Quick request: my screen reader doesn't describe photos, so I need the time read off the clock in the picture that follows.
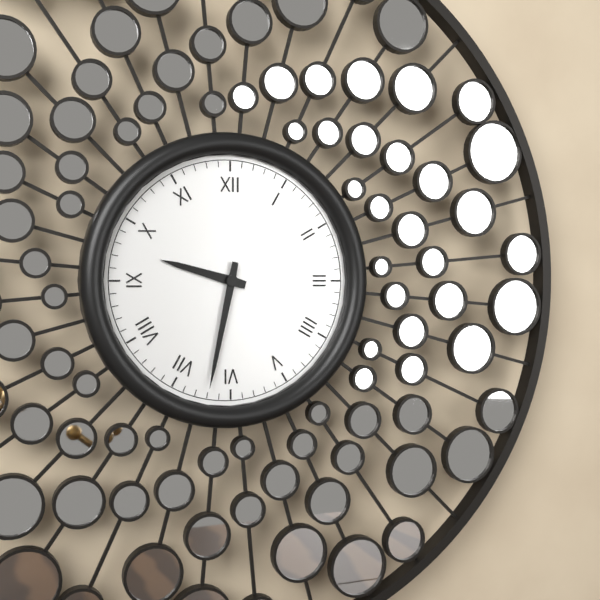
9:32
